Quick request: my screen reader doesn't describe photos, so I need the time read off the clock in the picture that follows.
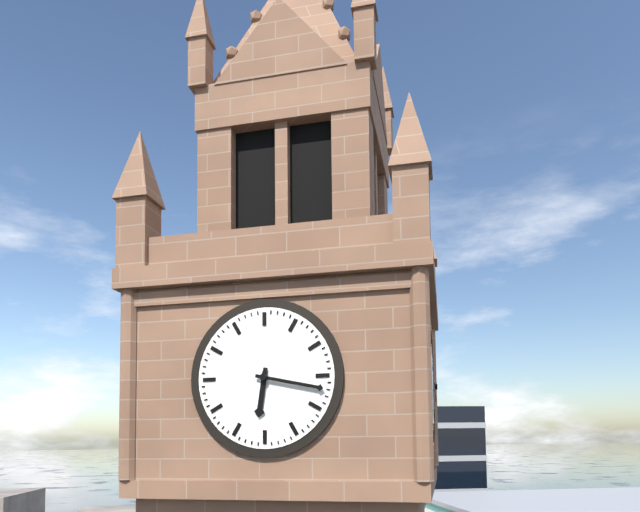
6:17
